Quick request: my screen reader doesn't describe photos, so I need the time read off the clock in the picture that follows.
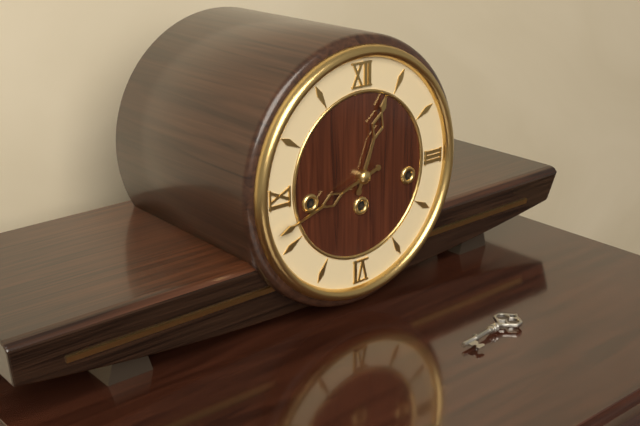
12:42
